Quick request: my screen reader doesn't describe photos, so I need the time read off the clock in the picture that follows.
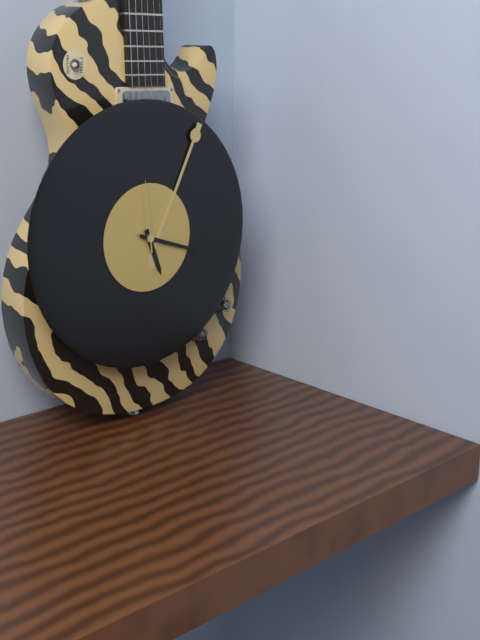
5:18:59
